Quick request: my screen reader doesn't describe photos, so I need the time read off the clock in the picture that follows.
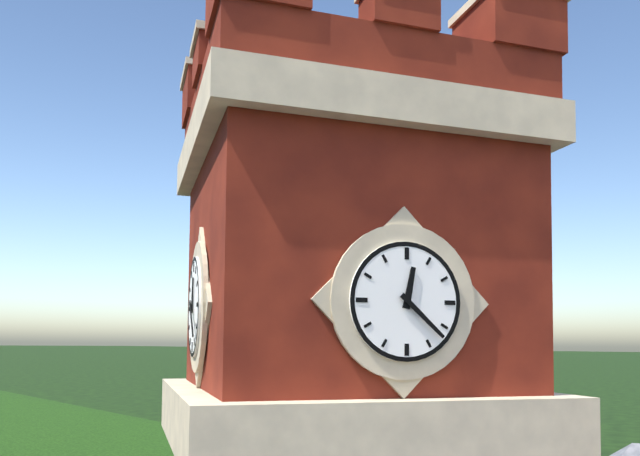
12:22
